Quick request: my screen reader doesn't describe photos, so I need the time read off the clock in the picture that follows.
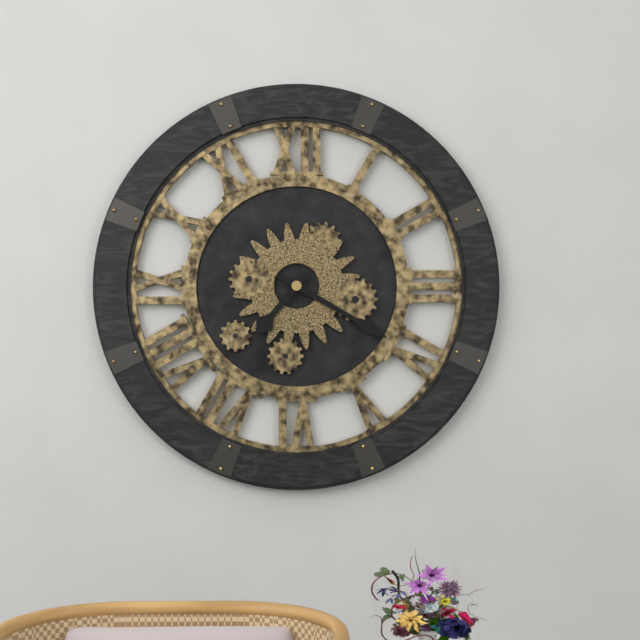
7:20
